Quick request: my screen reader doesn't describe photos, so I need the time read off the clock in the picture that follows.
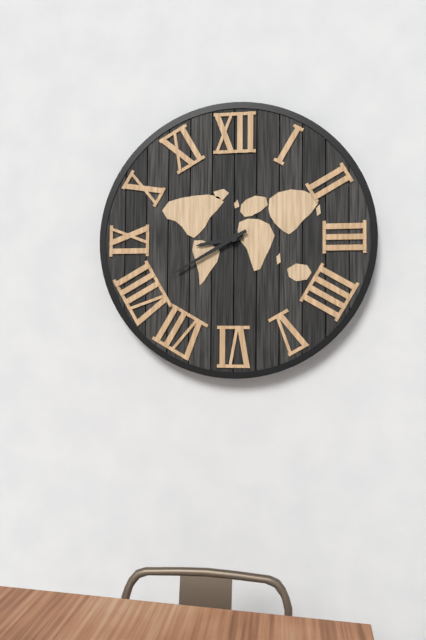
8:40
